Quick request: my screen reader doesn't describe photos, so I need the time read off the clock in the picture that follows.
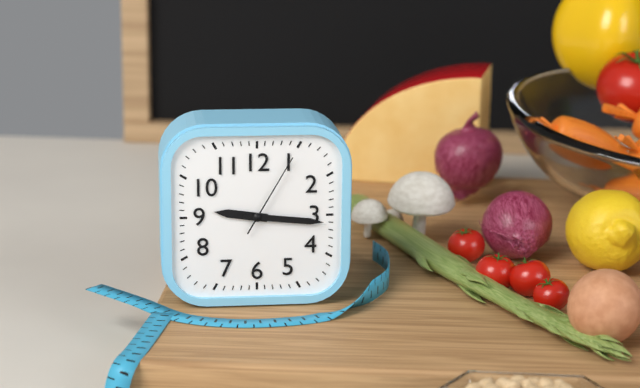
9:16:05
